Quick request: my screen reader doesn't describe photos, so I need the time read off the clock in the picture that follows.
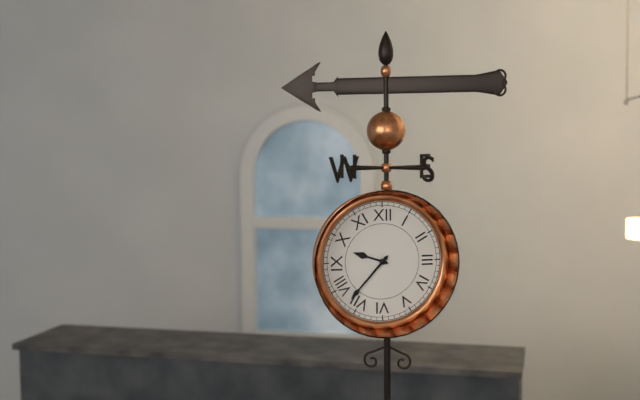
9:37
